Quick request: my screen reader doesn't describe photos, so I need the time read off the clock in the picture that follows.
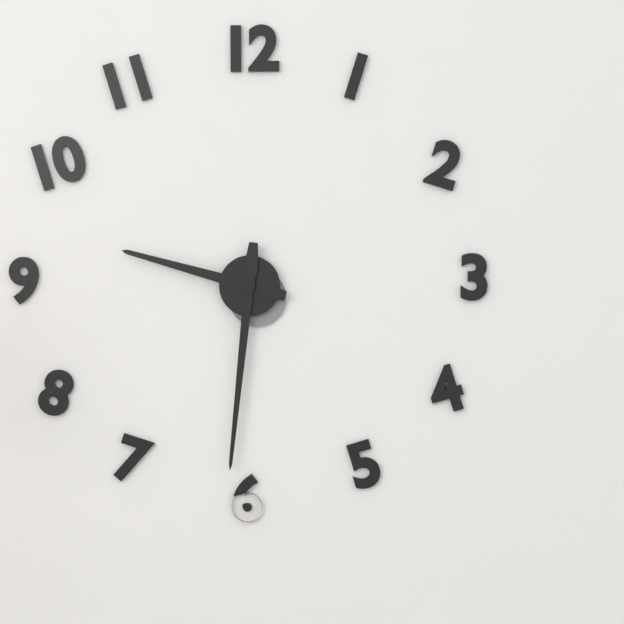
9:31
